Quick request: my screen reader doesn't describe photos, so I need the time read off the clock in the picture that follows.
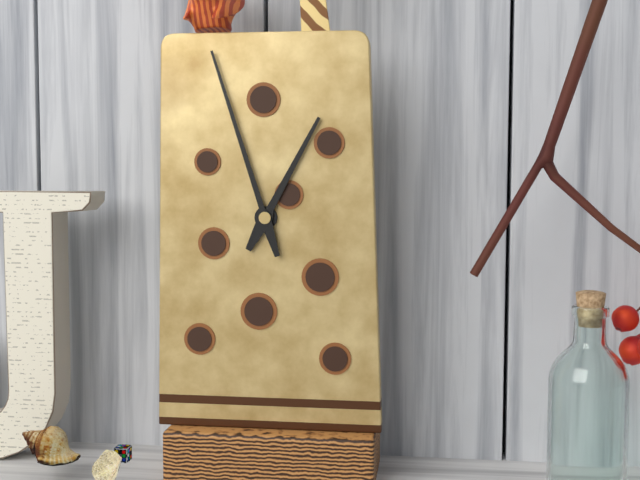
12:57
